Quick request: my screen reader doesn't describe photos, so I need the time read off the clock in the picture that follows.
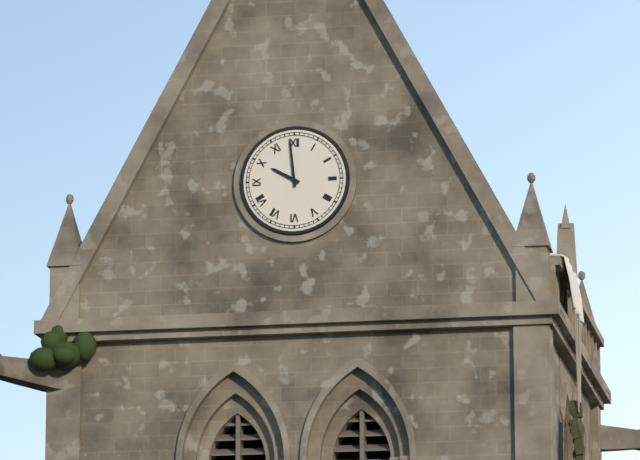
9:59
